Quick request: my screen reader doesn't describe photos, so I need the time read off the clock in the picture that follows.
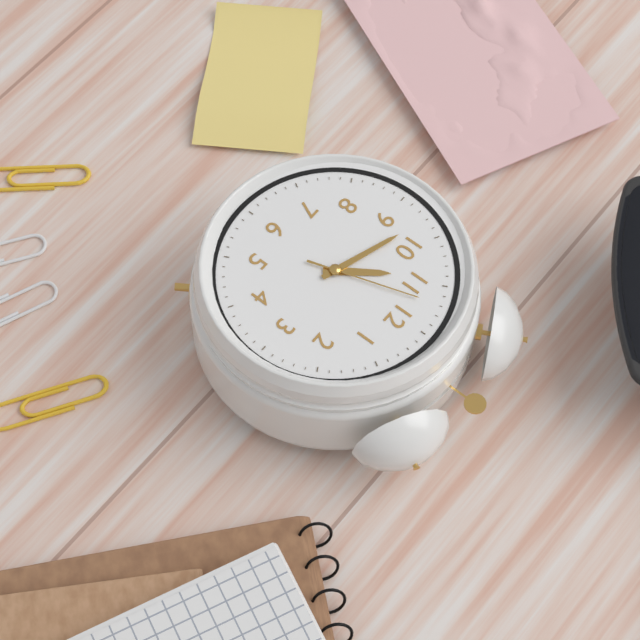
10:48:57
